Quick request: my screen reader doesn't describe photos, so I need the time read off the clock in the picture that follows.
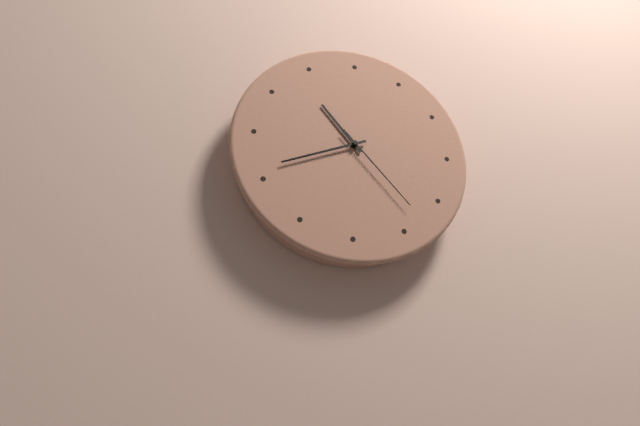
10:41:23
